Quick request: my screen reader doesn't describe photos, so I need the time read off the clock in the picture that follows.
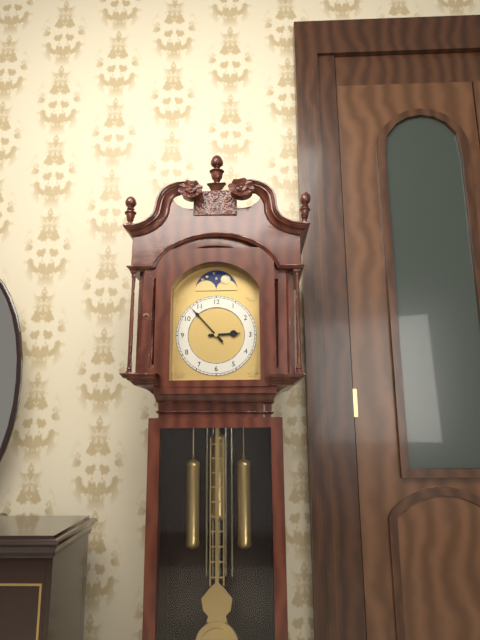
2:53
